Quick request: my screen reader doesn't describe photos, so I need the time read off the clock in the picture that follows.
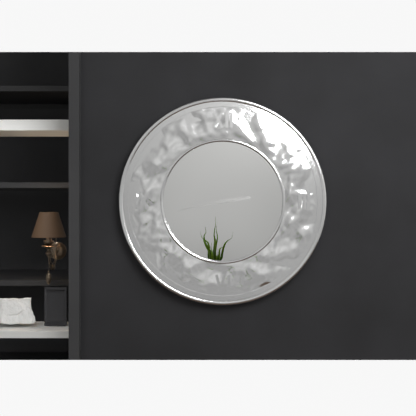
2:43
